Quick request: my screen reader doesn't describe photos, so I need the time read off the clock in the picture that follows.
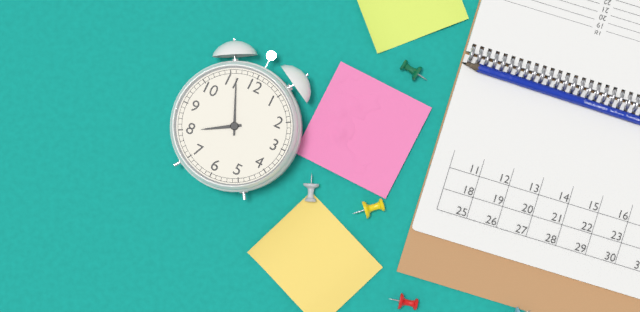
7:56
